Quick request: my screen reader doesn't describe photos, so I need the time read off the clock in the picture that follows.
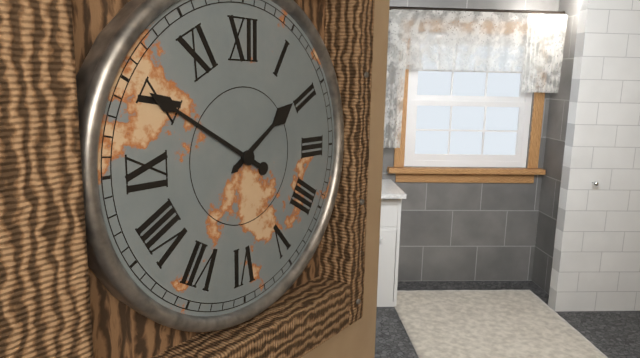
1:50
